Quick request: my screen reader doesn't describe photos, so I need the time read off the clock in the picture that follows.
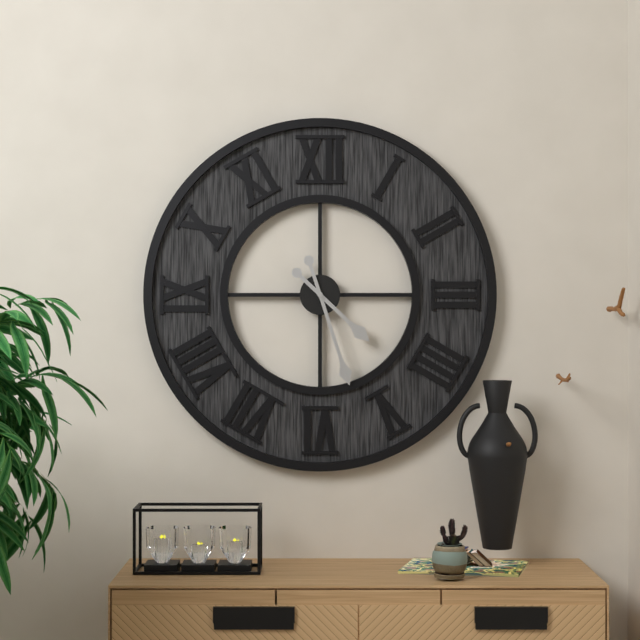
4:27
